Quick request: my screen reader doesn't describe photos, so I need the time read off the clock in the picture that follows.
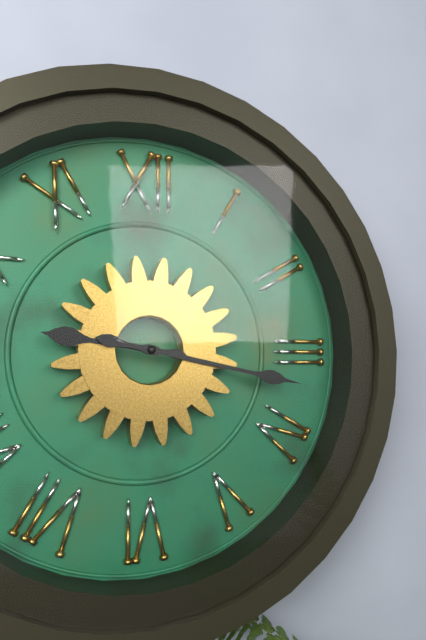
9:17
